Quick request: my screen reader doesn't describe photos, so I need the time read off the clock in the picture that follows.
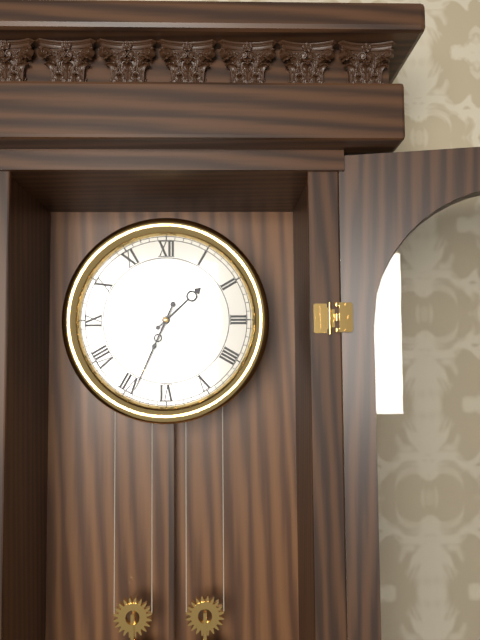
1:34
